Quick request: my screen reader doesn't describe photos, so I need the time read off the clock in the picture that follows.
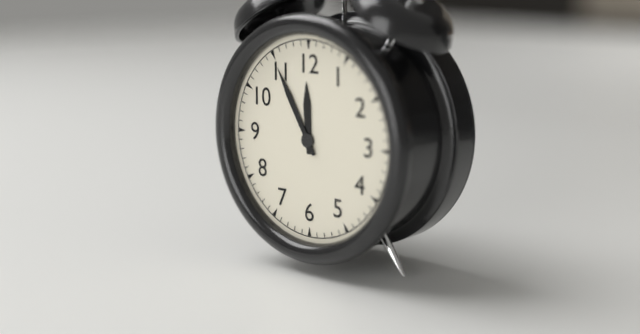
11:55
